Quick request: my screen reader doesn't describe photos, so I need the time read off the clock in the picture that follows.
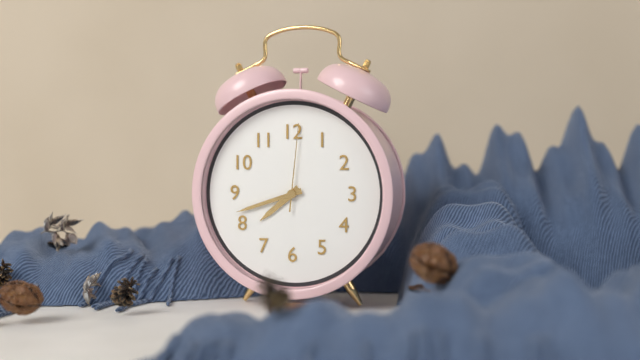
7:42:01
